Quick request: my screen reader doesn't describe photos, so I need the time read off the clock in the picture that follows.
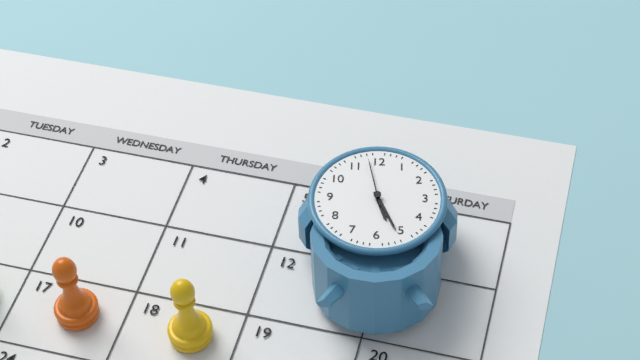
5:26
